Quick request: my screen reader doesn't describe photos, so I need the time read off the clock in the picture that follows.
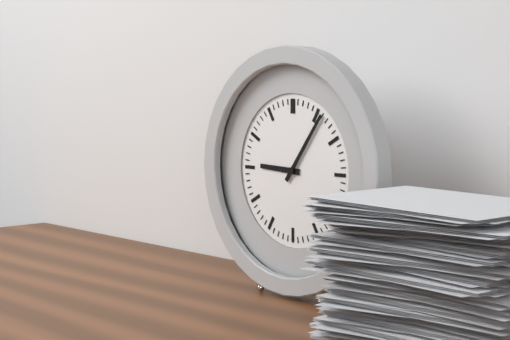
9:06
